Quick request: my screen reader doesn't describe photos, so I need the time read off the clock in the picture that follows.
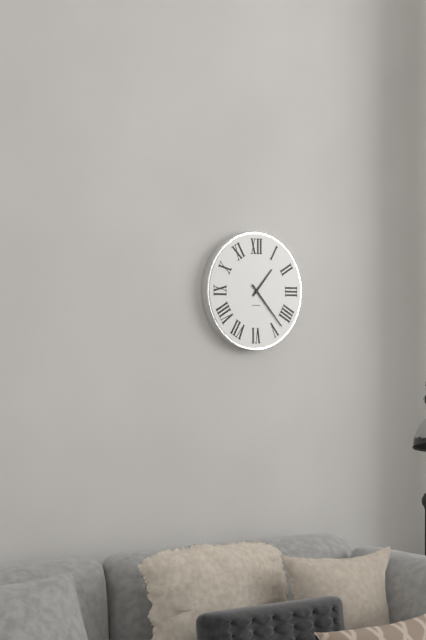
1:23
